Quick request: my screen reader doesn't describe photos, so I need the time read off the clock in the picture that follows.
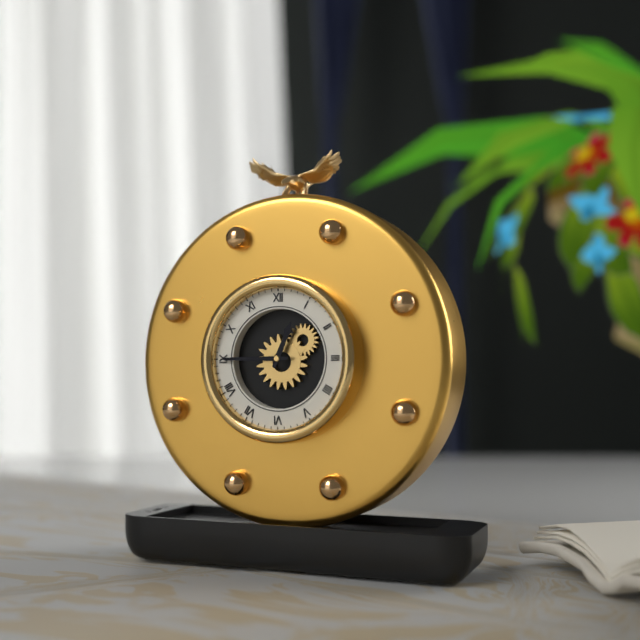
12:45
